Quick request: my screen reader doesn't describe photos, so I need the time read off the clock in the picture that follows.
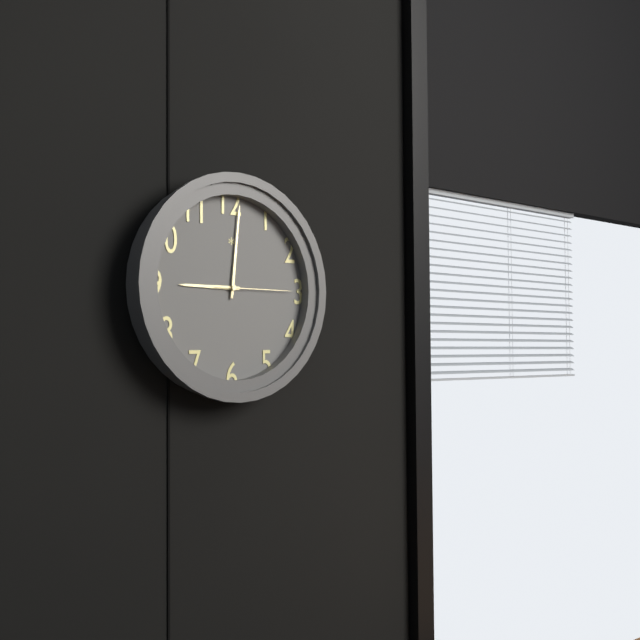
9:01:15
